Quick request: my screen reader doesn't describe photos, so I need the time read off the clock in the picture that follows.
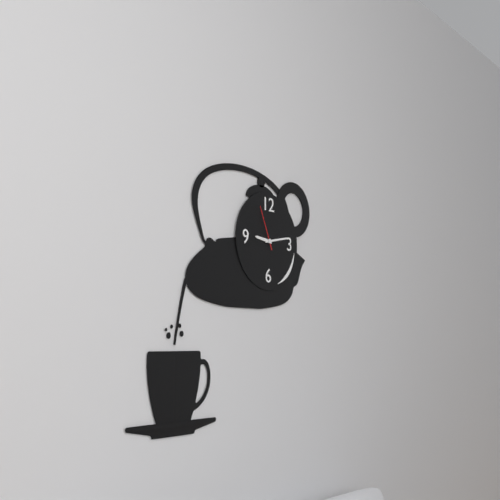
9:13
